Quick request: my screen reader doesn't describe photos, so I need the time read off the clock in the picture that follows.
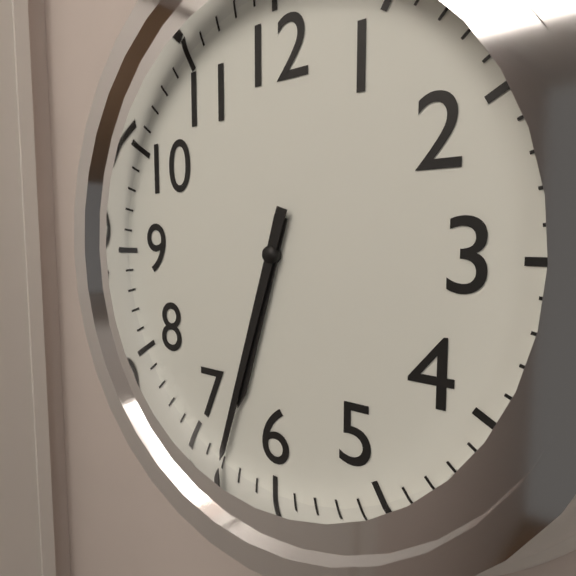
6:33
